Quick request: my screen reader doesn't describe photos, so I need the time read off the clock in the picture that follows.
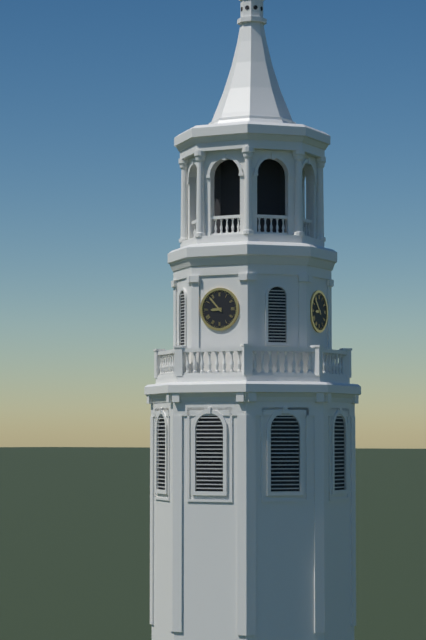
8:53
